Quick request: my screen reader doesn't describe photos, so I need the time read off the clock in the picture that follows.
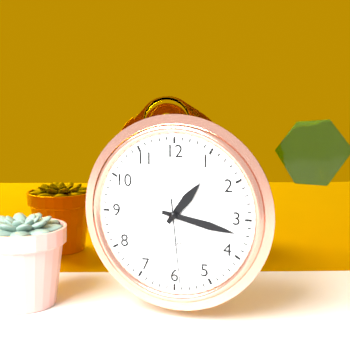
1:17:29
